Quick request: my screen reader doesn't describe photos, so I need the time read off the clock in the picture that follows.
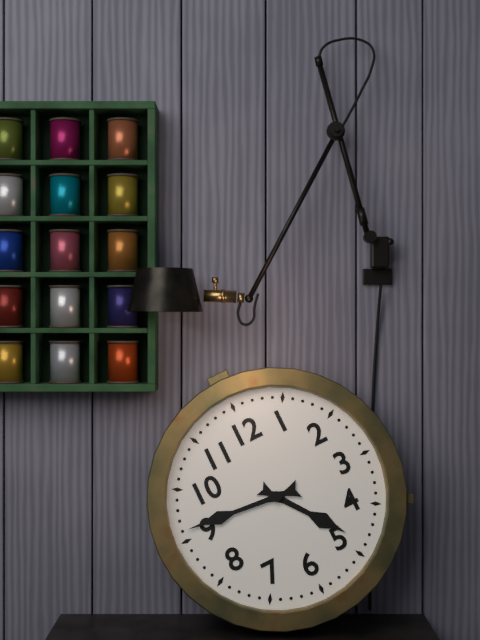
4:46
